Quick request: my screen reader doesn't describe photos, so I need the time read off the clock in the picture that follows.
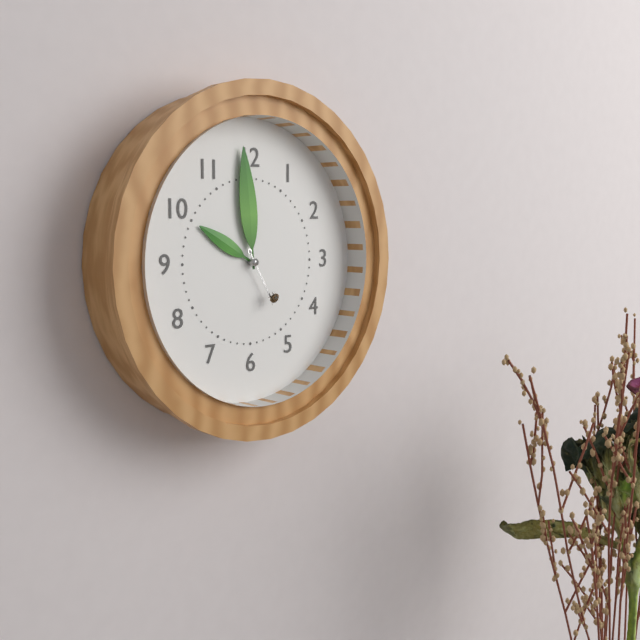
9:59:25
